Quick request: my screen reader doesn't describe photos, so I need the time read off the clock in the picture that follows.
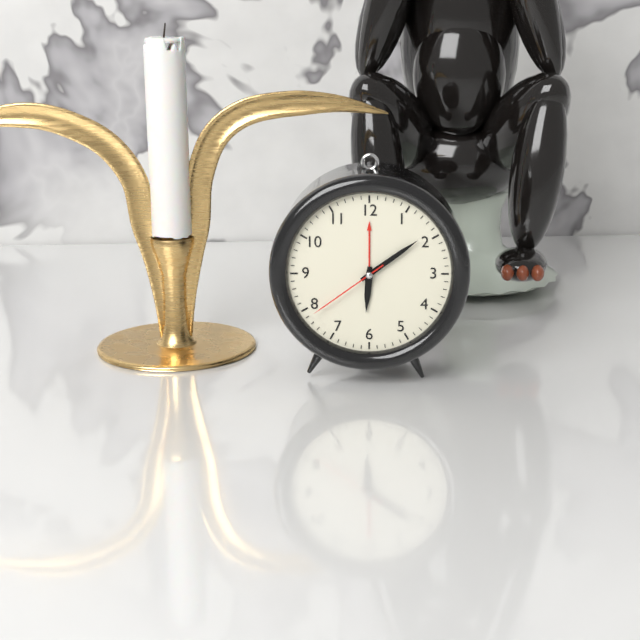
6:09:39
